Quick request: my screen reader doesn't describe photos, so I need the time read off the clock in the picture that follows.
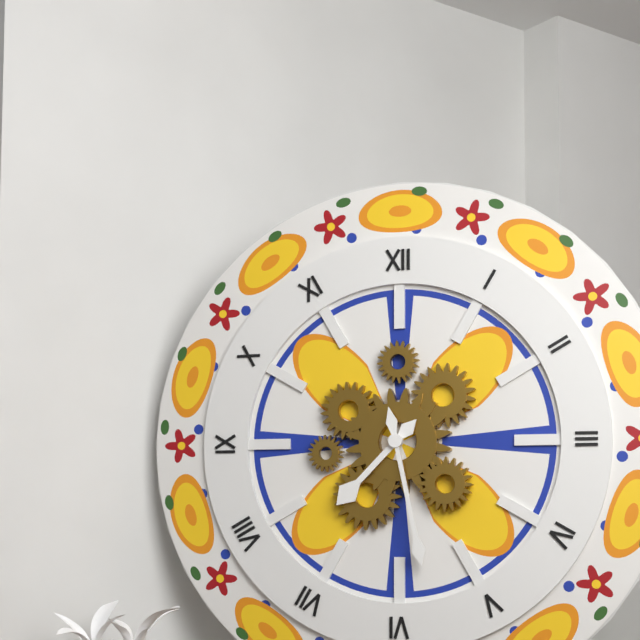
7:28
